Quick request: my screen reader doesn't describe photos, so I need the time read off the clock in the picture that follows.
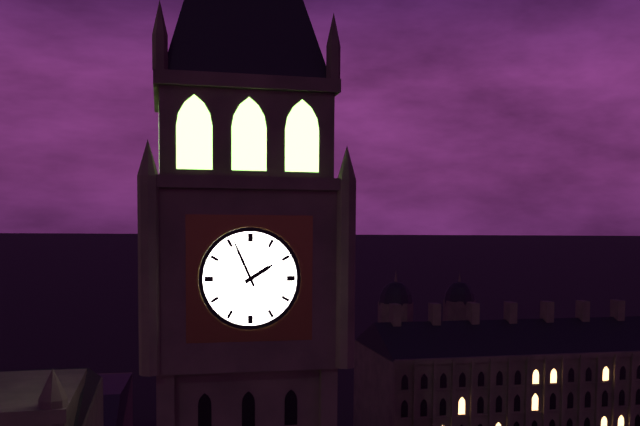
1:56
